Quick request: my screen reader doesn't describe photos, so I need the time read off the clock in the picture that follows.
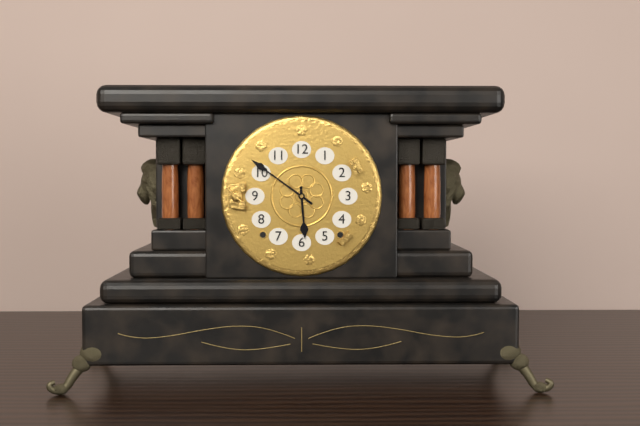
5:51
